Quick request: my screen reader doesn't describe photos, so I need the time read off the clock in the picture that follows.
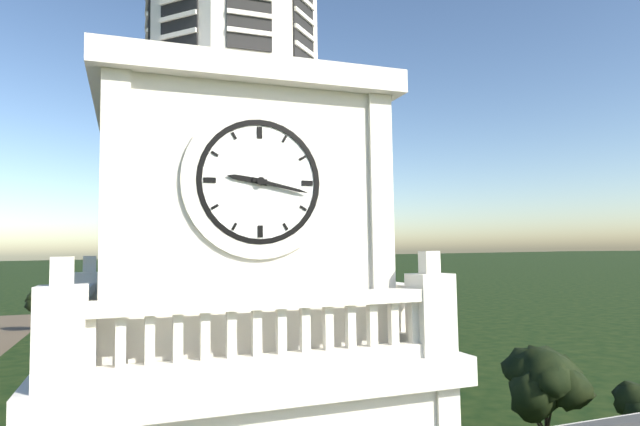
9:17
